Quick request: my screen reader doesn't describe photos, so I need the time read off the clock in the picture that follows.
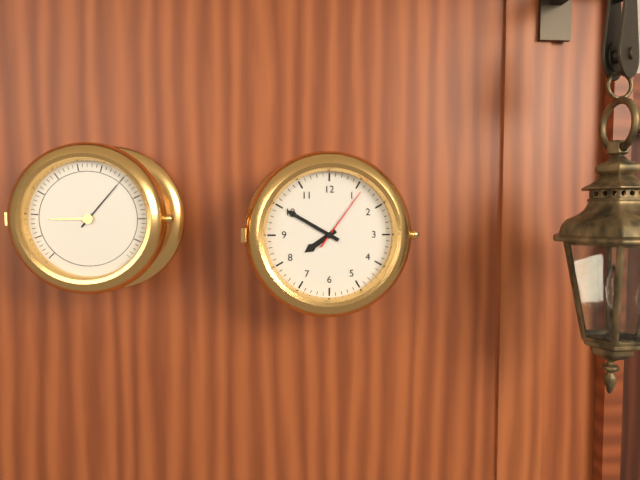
7:50:06
